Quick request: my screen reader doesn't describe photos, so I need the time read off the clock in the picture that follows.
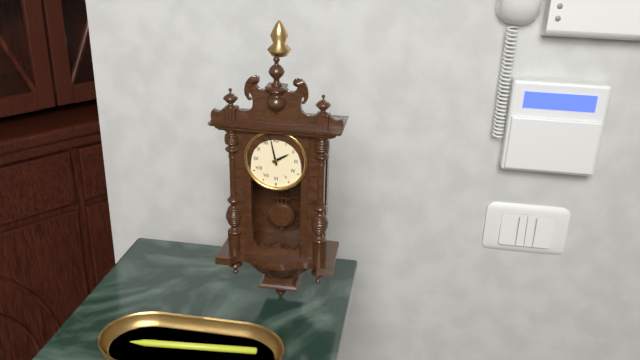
1:58
